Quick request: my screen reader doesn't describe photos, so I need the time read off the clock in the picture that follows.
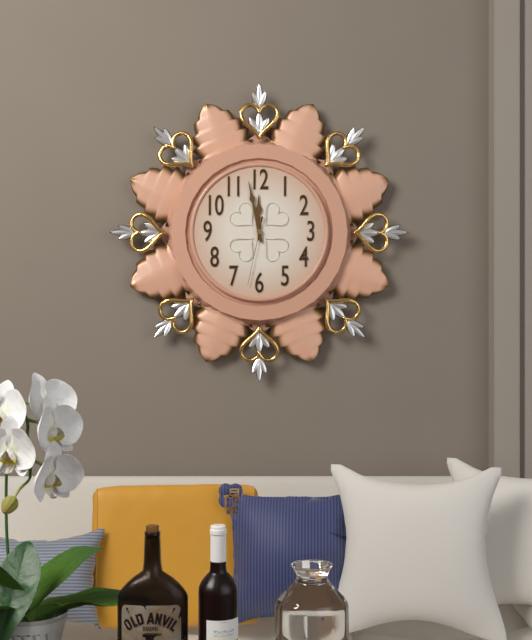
11:58:32
